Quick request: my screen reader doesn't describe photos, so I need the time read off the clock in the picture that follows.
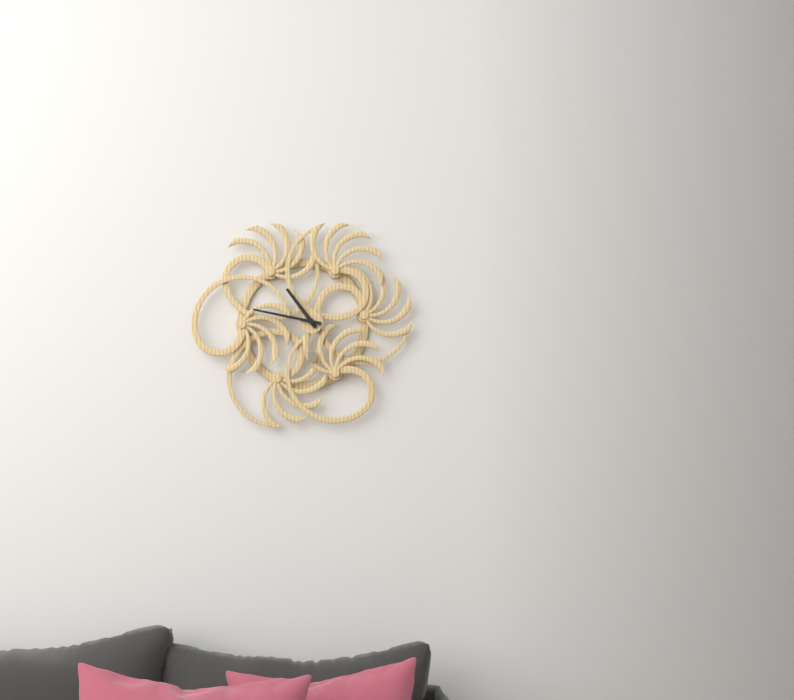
10:47
